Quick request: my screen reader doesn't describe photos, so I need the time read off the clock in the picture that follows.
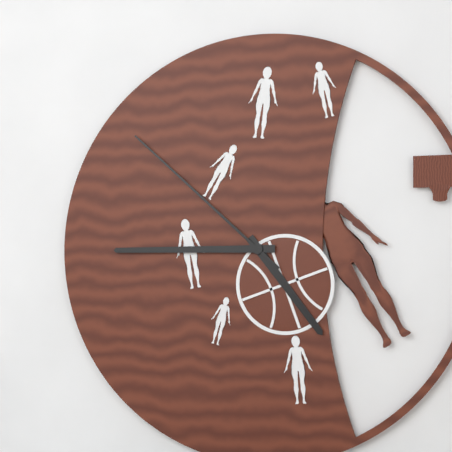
4:45:52
